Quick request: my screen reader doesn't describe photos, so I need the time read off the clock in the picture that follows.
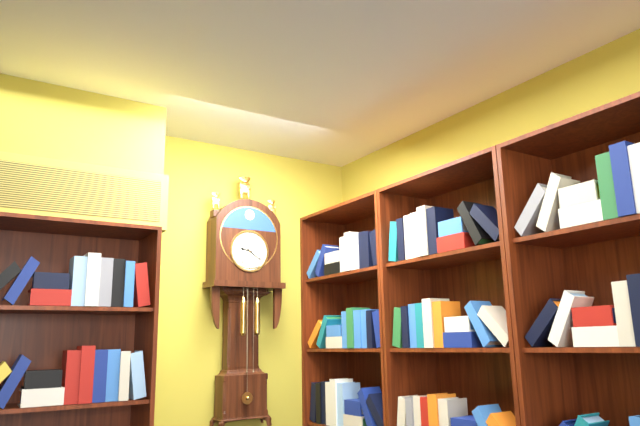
9:21
